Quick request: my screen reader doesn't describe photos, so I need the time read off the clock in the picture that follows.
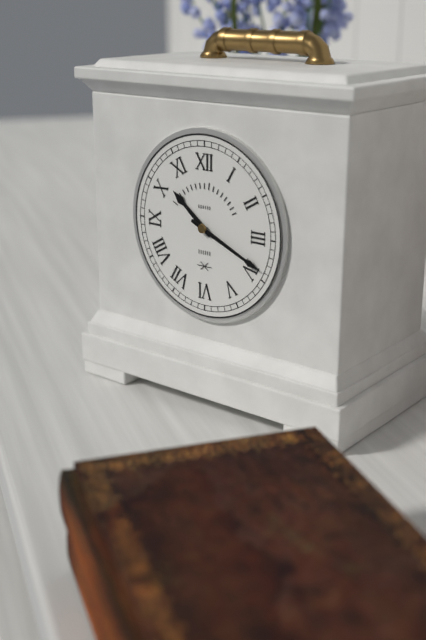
10:19
